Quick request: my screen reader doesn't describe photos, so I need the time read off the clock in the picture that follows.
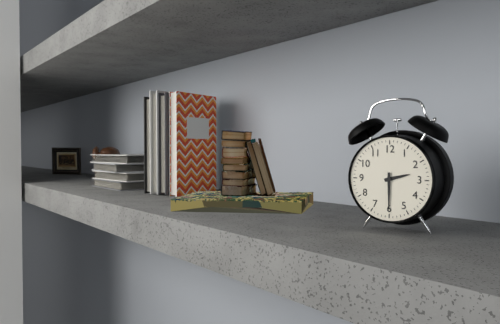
2:30
